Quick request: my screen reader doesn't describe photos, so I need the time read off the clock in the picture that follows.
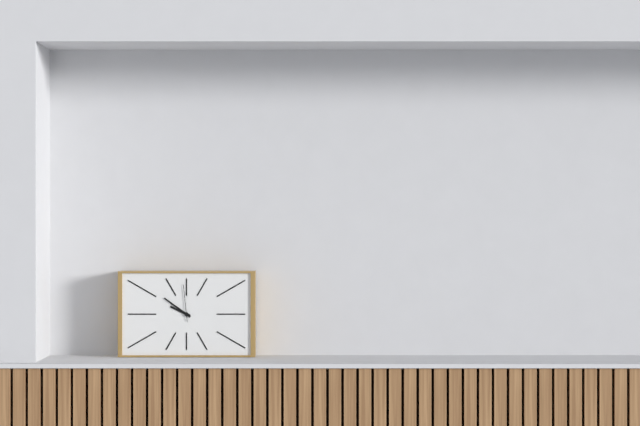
9:51
